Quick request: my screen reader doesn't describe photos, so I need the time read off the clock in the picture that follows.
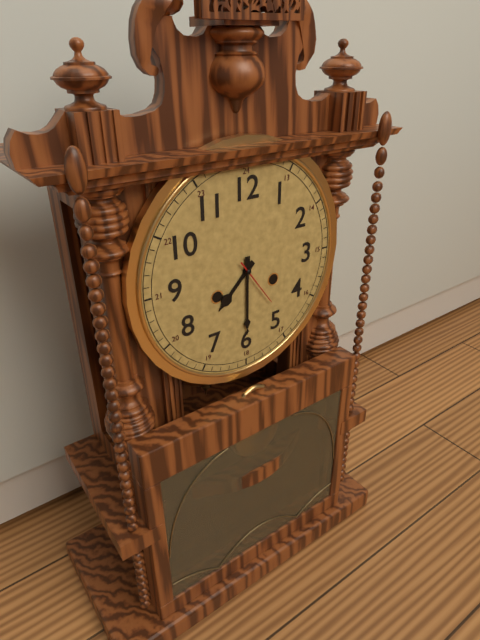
7:30
